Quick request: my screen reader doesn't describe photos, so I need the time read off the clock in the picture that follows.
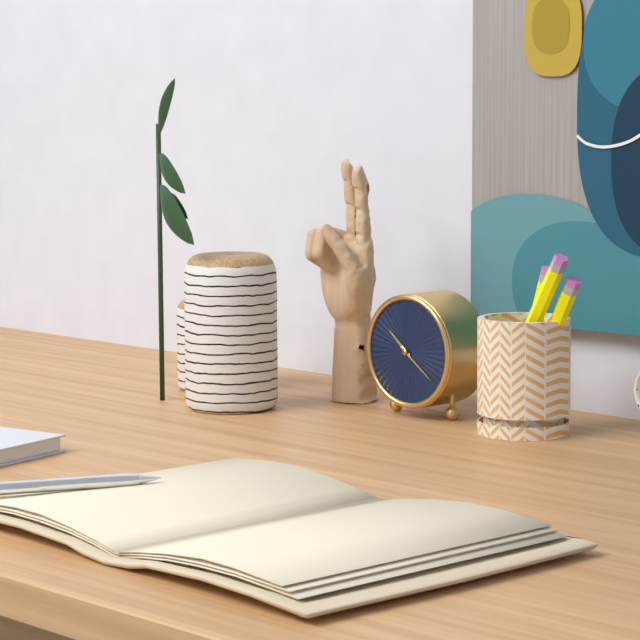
10:21
